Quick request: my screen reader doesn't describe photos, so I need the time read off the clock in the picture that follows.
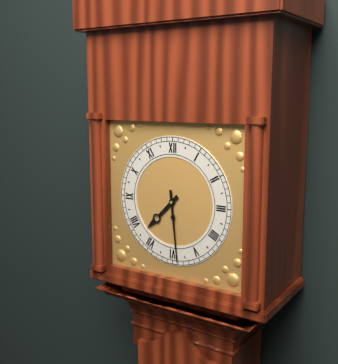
7:29
